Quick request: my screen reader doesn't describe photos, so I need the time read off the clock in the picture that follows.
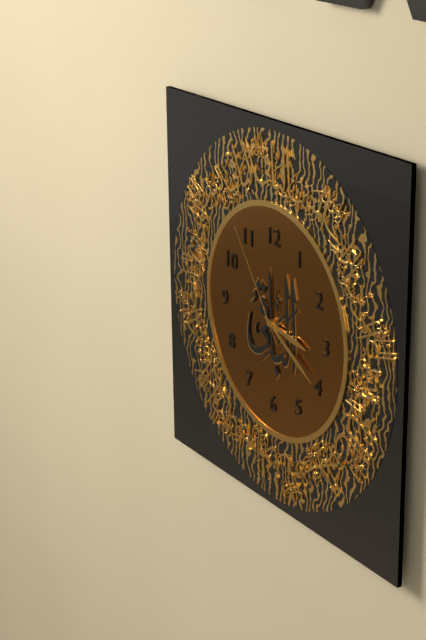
3:20:54
